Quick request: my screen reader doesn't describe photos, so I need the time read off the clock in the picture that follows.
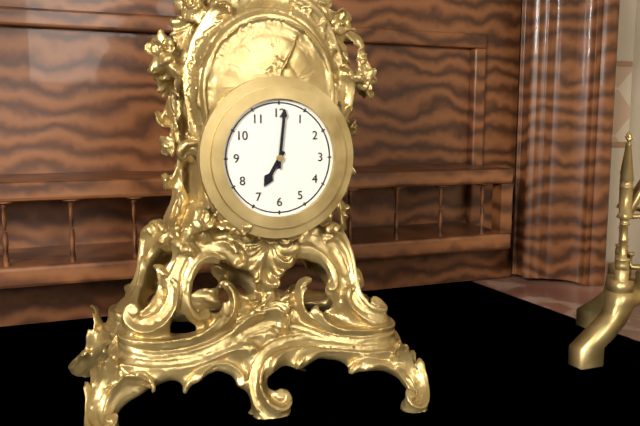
7:01
